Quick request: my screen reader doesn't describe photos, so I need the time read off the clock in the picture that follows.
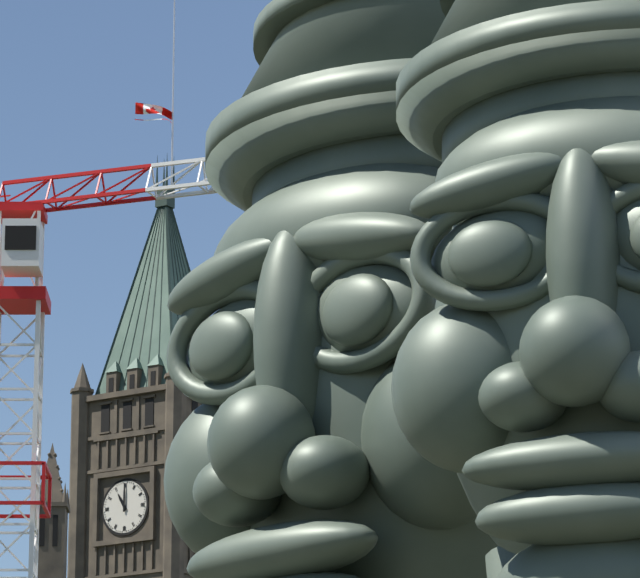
11:00
